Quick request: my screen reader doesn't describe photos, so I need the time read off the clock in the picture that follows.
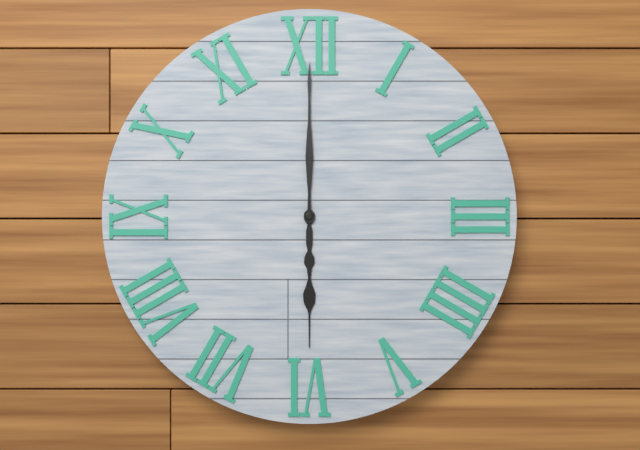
6:00
